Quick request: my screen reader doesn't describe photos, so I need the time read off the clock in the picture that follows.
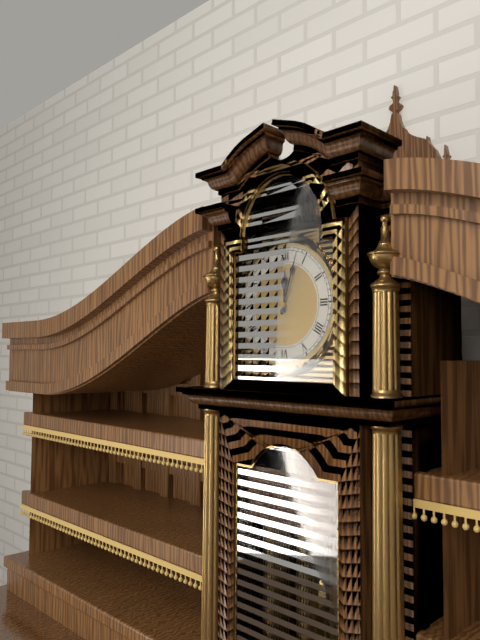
12:03
